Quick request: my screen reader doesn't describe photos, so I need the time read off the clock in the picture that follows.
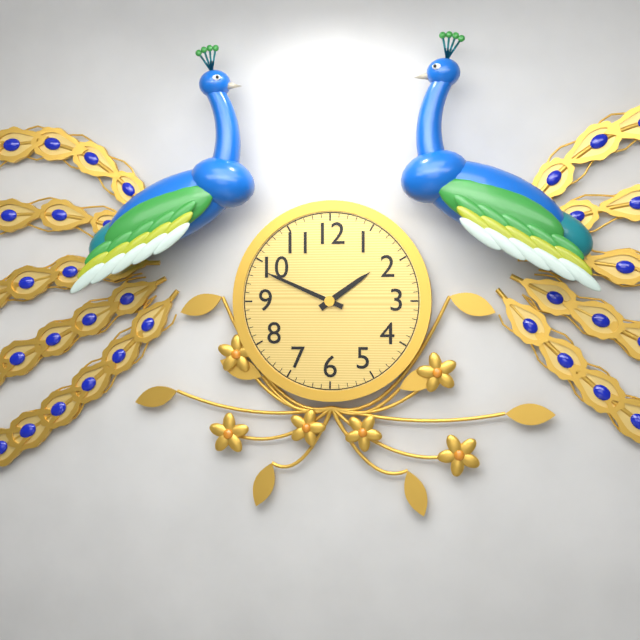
1:49
